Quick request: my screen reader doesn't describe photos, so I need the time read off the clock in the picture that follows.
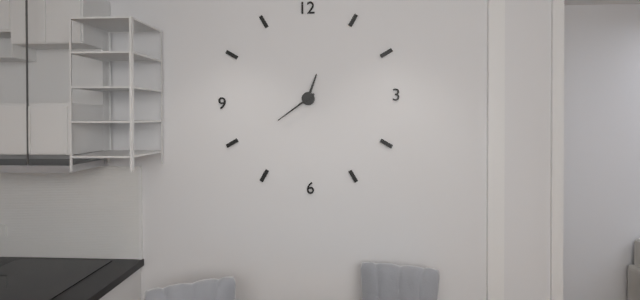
12:39
